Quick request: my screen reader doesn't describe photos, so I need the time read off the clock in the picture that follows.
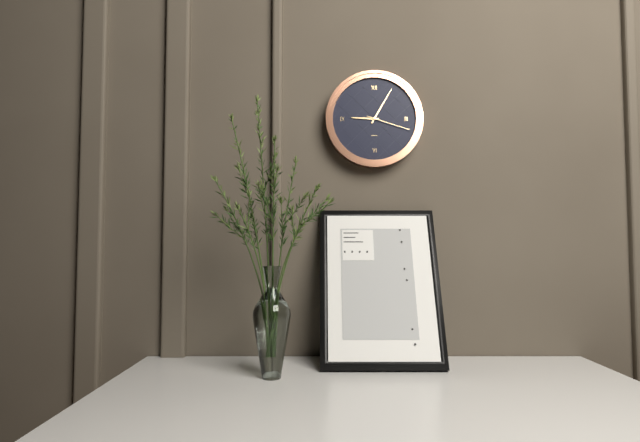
9:05
